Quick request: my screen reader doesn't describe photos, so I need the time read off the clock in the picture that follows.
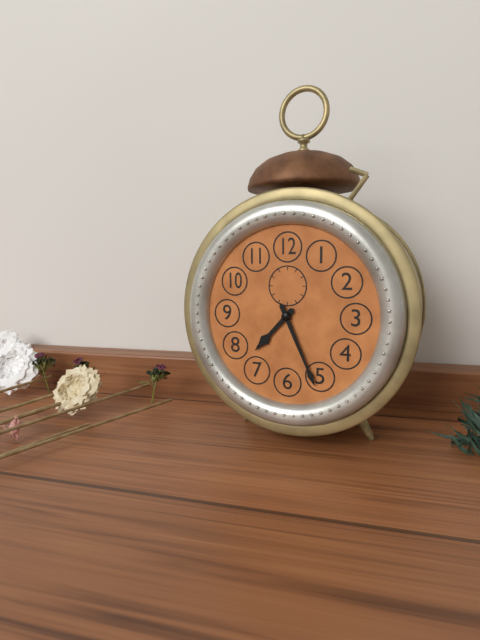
7:26
